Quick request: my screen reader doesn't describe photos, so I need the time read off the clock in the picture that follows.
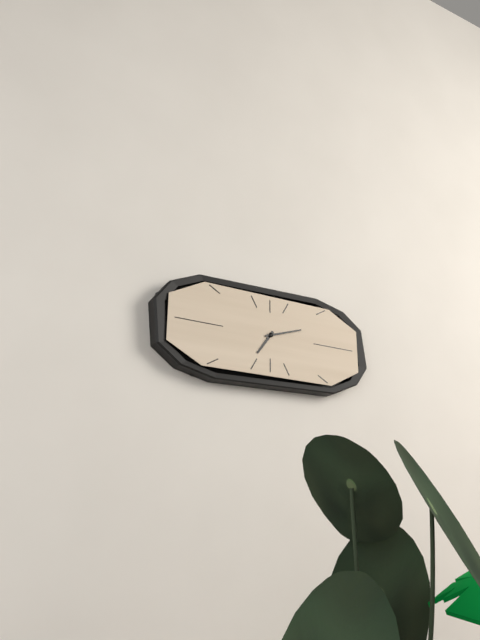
7:12
